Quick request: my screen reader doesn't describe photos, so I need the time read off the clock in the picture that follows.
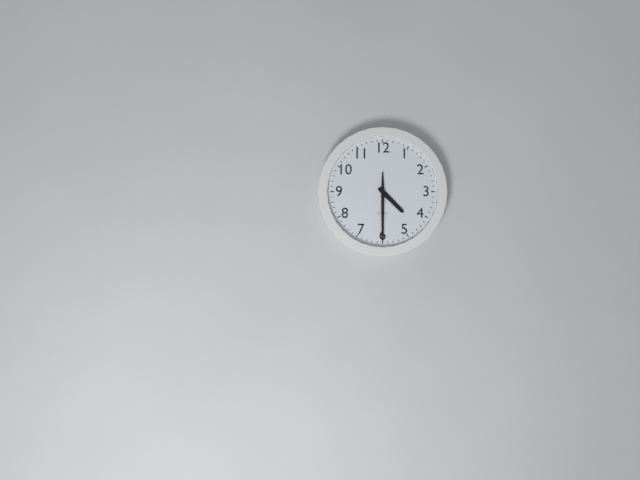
4:30
